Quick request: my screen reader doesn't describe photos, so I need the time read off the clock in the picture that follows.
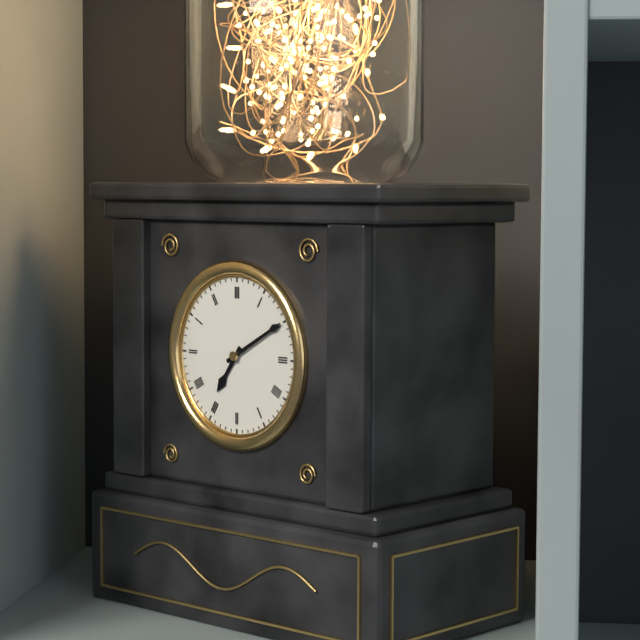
7:10
